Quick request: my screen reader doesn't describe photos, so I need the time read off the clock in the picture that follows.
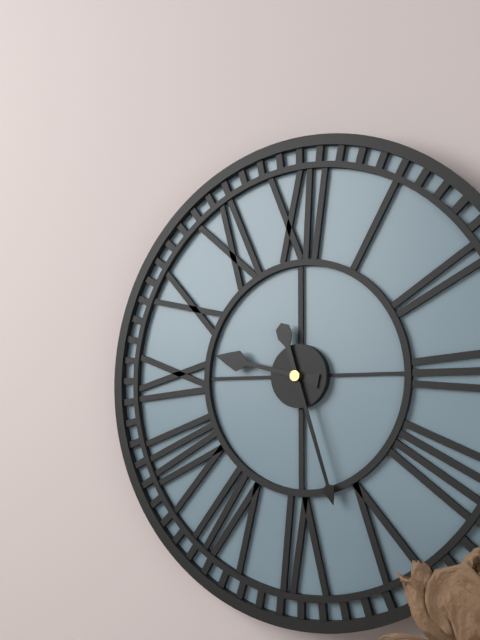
9:27
